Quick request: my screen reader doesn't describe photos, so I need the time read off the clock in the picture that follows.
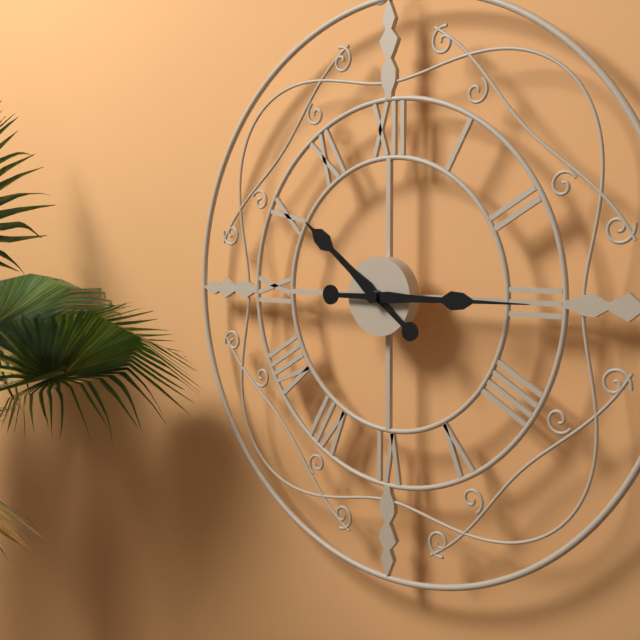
10:15
